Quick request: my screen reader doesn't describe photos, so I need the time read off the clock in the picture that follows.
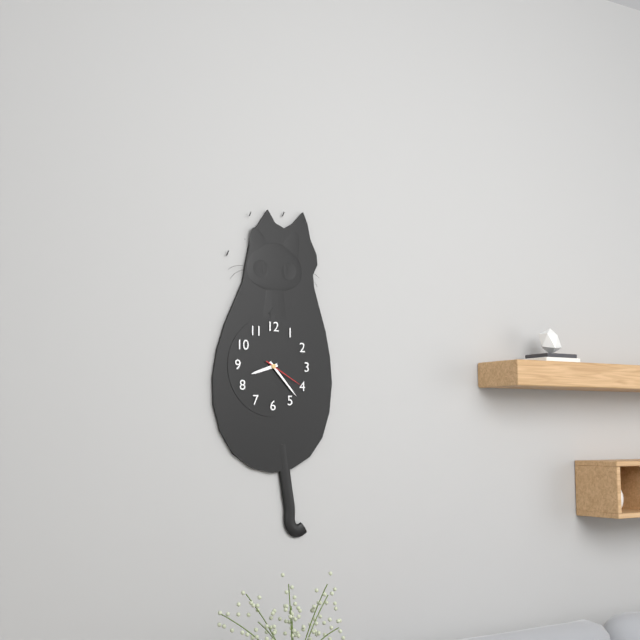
8:23
